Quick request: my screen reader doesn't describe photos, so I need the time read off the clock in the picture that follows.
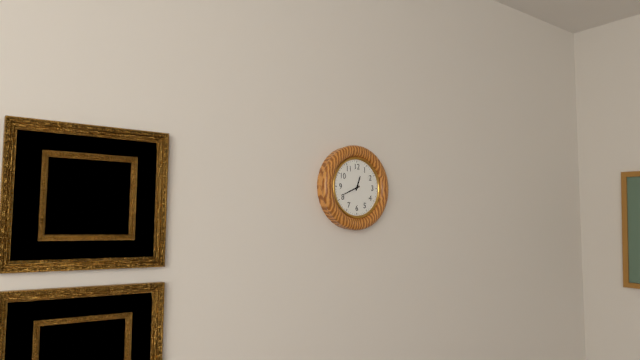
12:41
